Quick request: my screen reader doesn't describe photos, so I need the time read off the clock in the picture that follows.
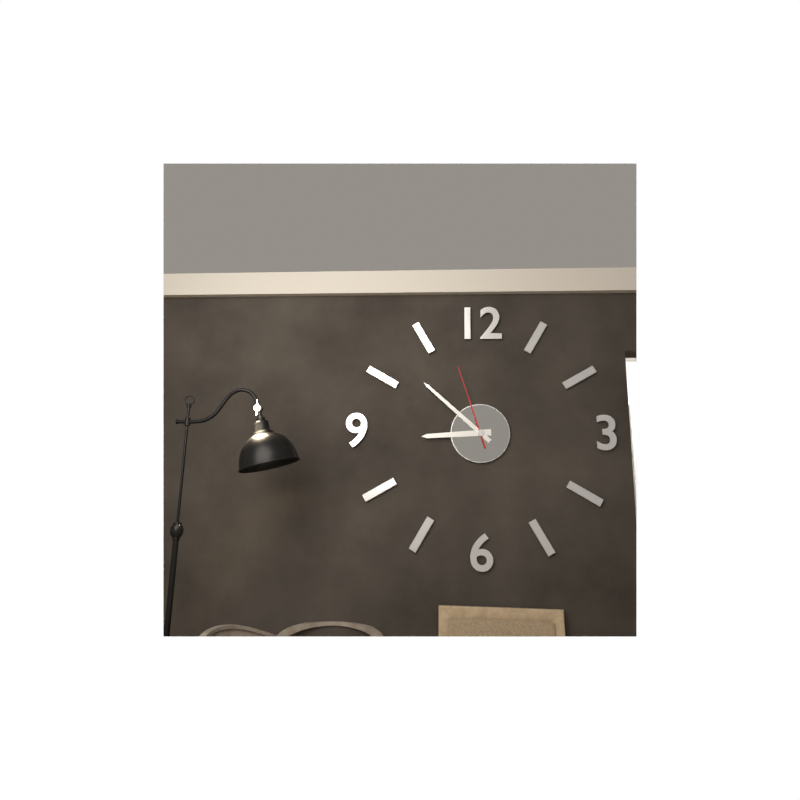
8:52:57
